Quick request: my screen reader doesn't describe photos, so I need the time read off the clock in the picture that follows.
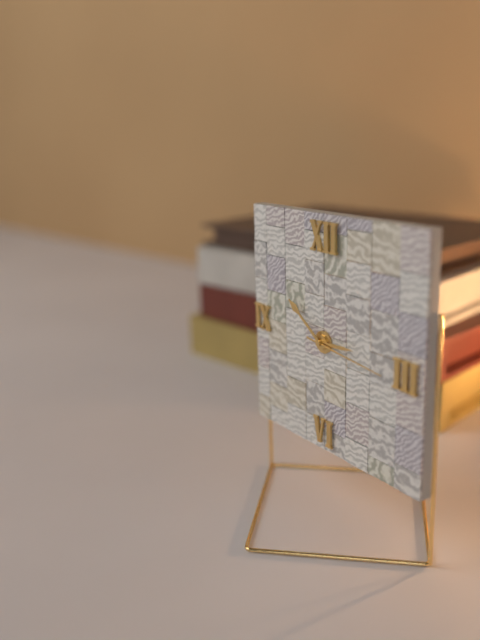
2:51:16
